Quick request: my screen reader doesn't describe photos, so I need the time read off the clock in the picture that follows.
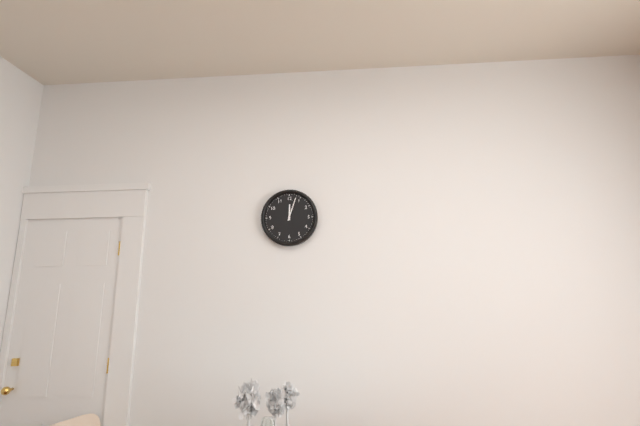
12:03
